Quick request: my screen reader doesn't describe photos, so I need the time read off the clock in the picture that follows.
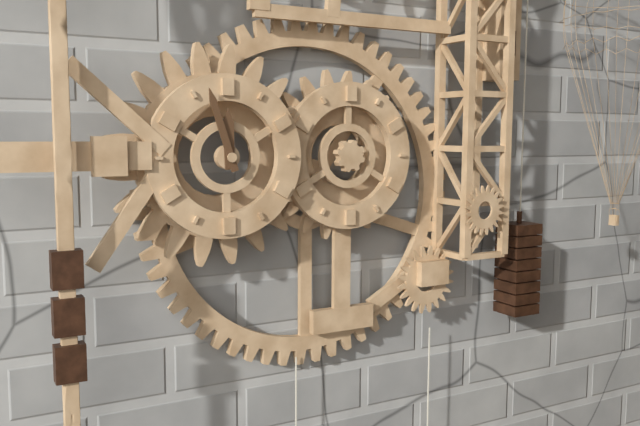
11:57
